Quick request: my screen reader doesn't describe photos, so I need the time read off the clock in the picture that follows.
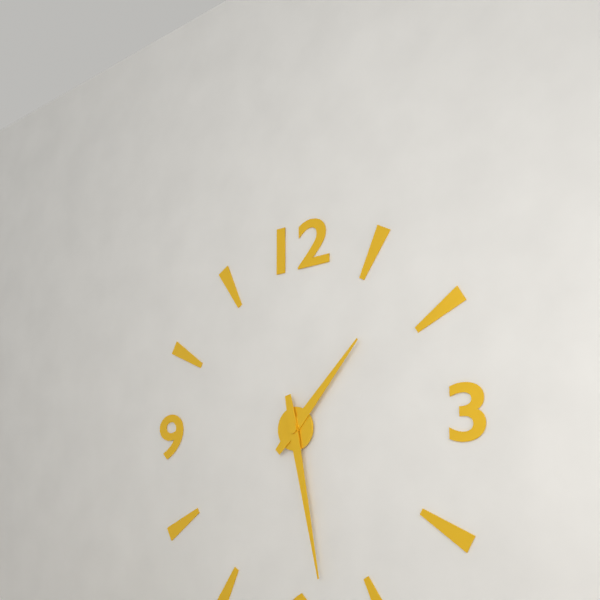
1:28
